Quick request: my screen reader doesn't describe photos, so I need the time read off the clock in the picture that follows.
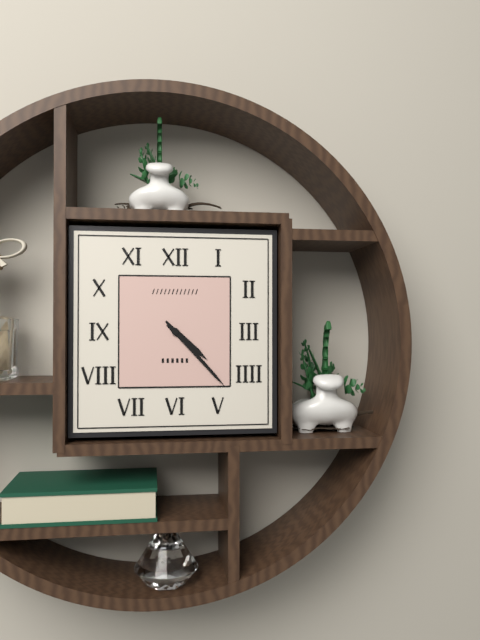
4:23
